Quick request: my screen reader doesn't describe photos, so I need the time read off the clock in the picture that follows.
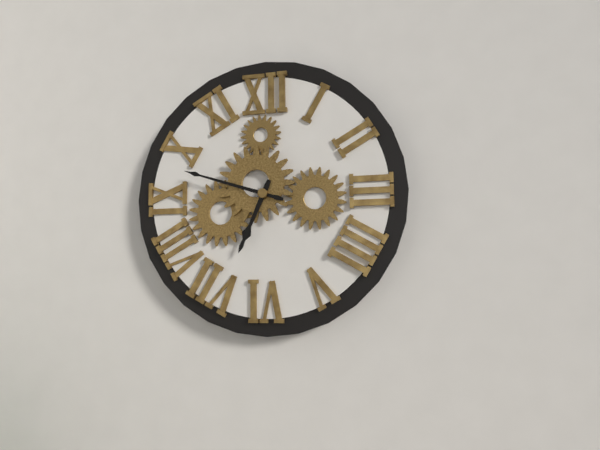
6:48
